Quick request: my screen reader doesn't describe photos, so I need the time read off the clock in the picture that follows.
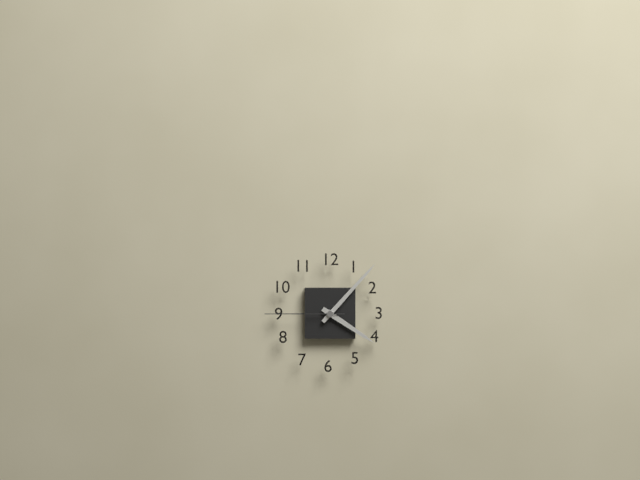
4:07:45
